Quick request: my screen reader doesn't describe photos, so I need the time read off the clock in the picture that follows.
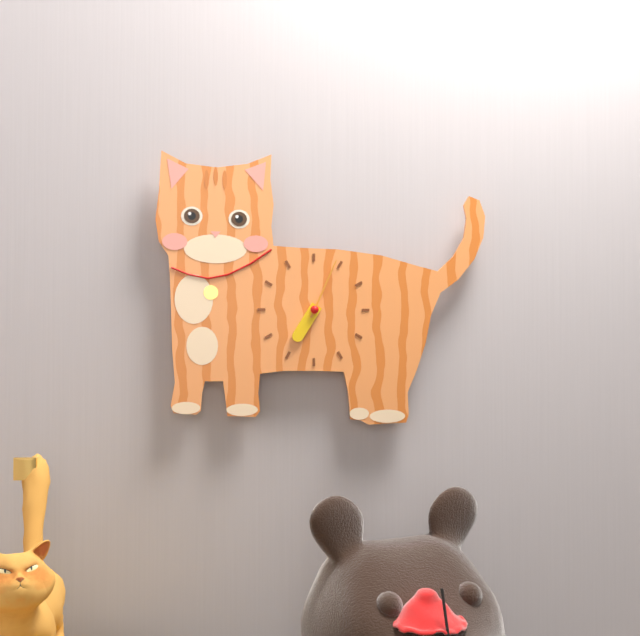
7:04
